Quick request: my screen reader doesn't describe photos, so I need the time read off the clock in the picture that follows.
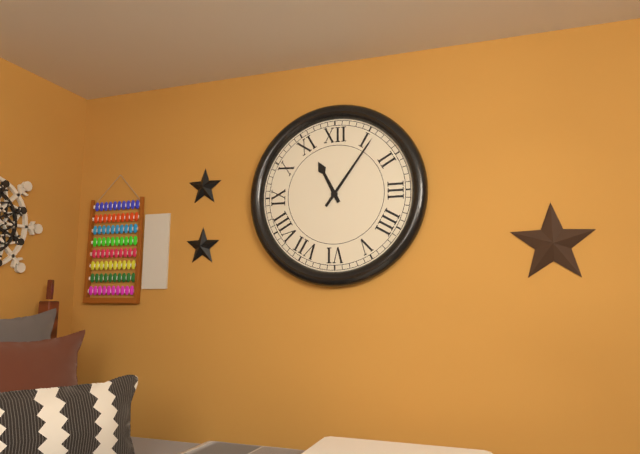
11:06
